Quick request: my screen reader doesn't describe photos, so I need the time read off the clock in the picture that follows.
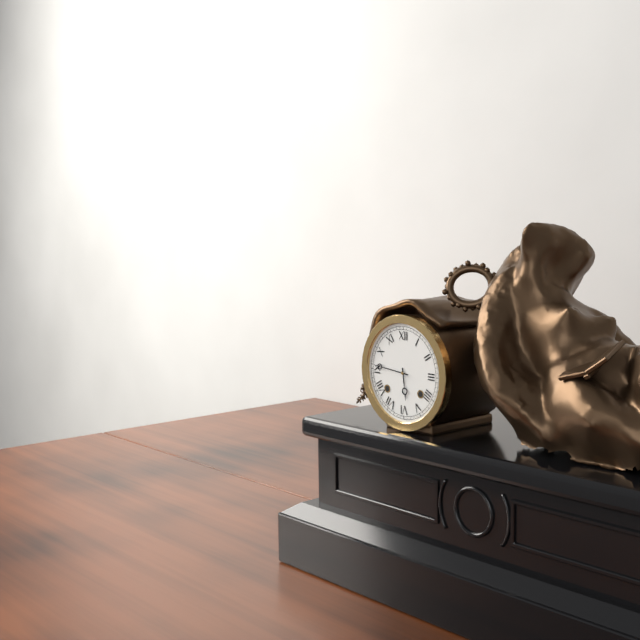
5:46
